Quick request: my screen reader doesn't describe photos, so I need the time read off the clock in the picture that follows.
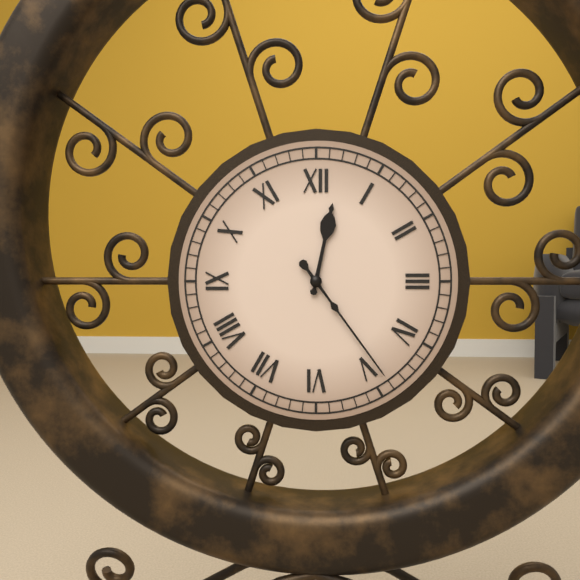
12:24
